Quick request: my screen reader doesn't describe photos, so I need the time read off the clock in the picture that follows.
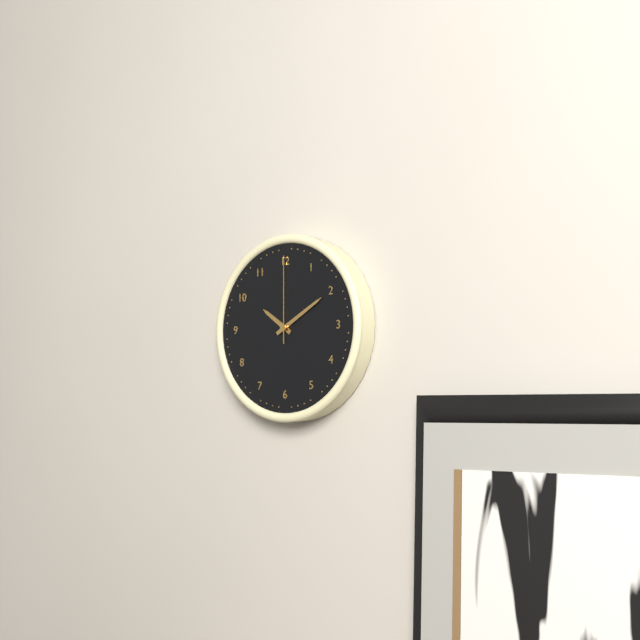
10:10:00
